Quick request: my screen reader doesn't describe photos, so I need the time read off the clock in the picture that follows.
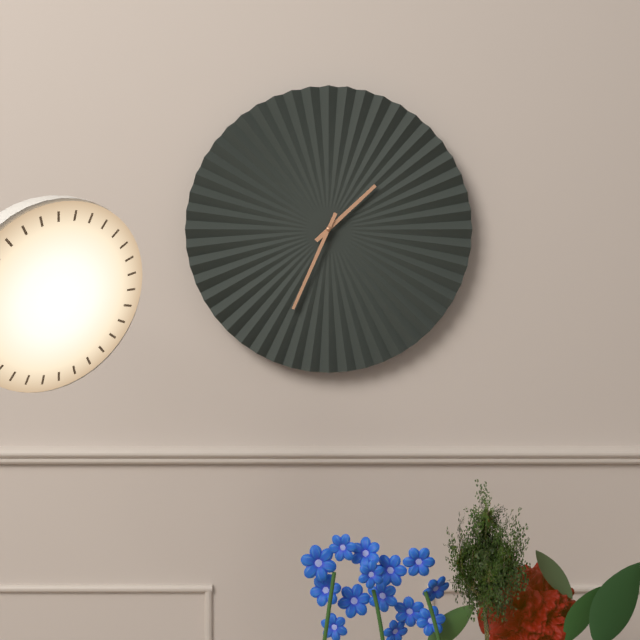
1:34
